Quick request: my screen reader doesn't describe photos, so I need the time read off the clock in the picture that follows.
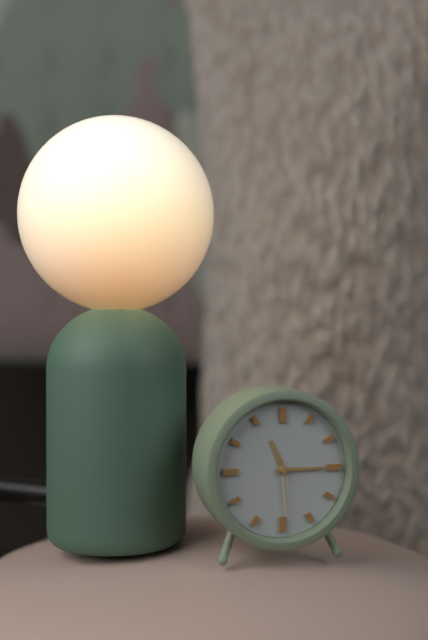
11:15:29
